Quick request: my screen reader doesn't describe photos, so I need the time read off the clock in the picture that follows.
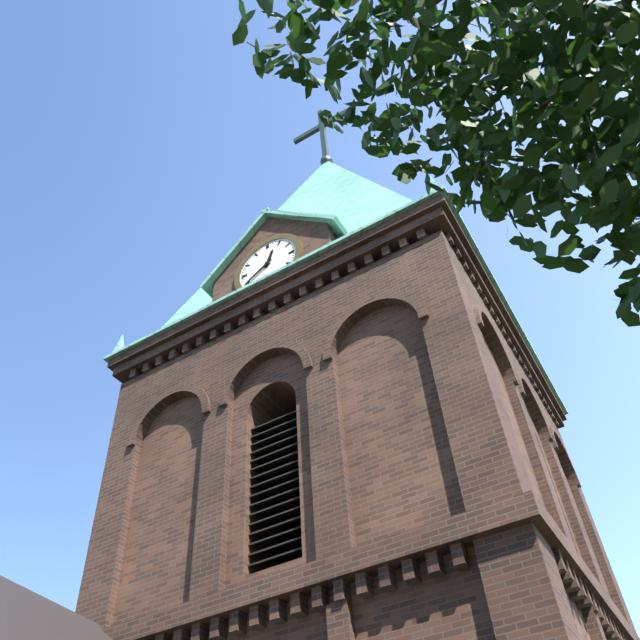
12:40
